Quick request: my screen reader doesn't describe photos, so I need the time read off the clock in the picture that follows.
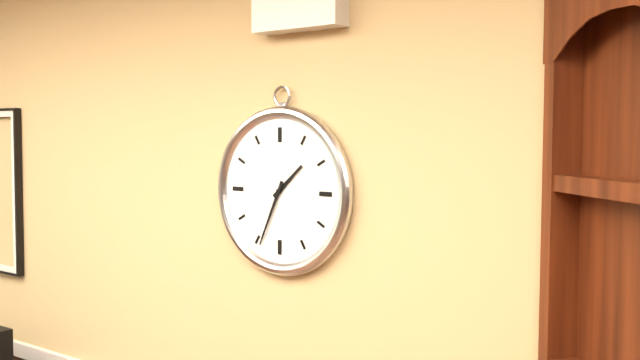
1:34
